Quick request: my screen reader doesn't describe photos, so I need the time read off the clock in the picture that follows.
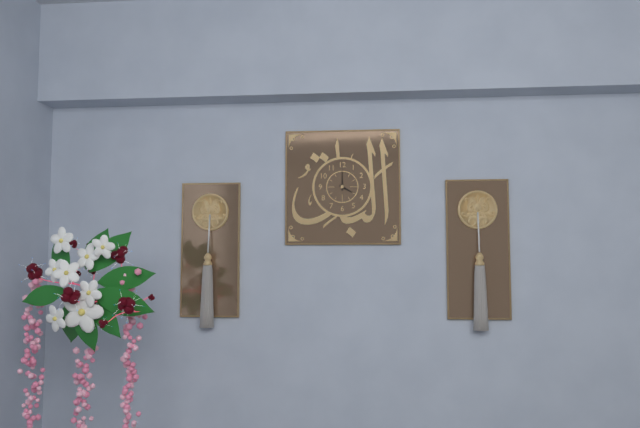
4:00
